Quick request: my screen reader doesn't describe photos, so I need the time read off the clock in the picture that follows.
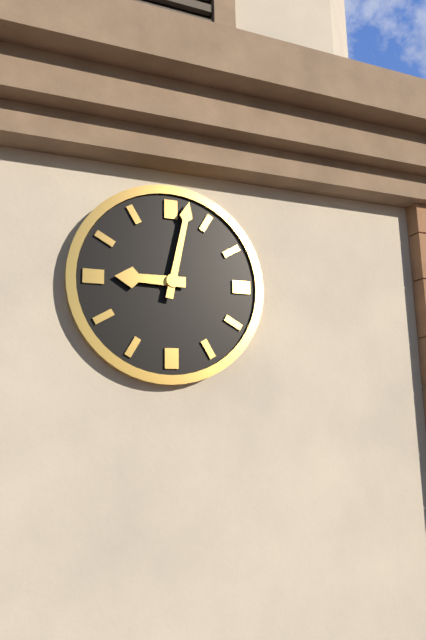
9:02
